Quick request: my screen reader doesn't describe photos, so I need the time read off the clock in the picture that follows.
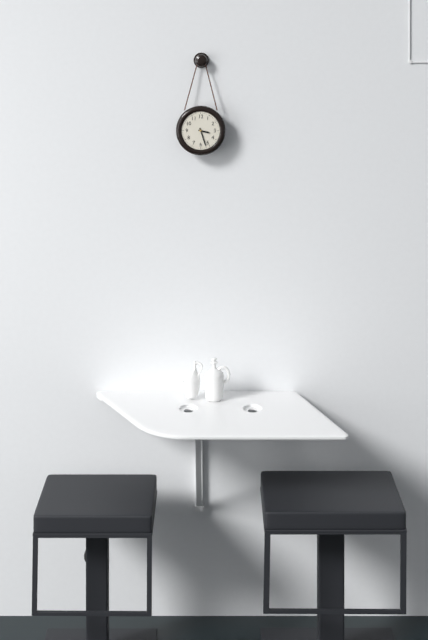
3:27
